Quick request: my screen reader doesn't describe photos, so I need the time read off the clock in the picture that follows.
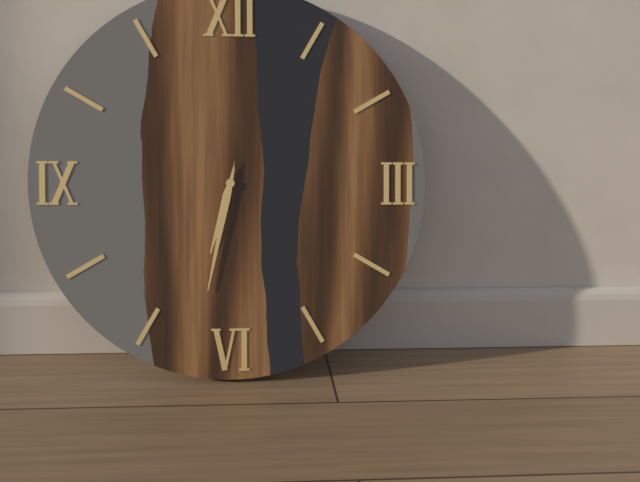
6:32
